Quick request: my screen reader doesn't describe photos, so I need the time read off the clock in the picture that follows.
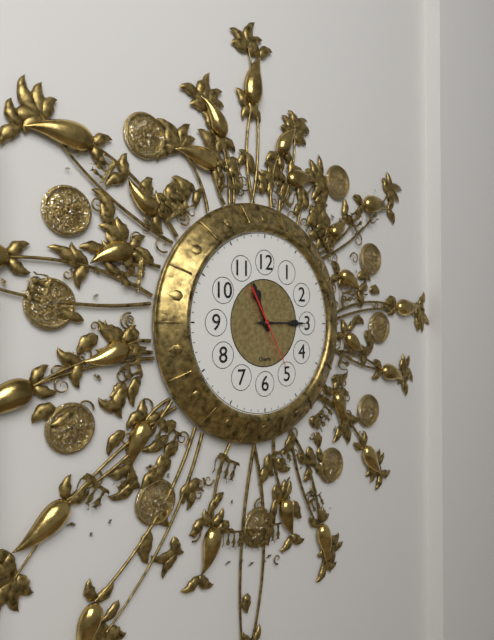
11:15:25
